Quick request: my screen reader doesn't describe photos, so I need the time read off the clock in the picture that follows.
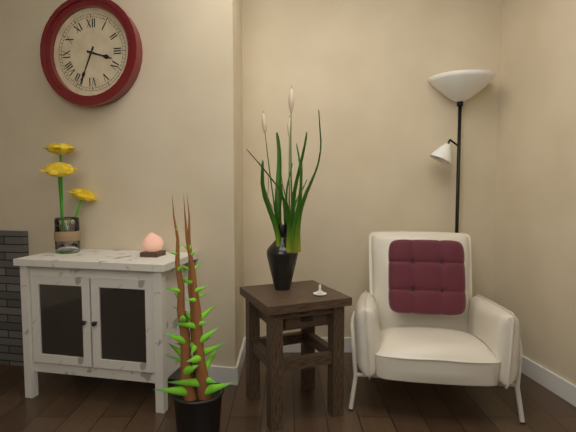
3:34
